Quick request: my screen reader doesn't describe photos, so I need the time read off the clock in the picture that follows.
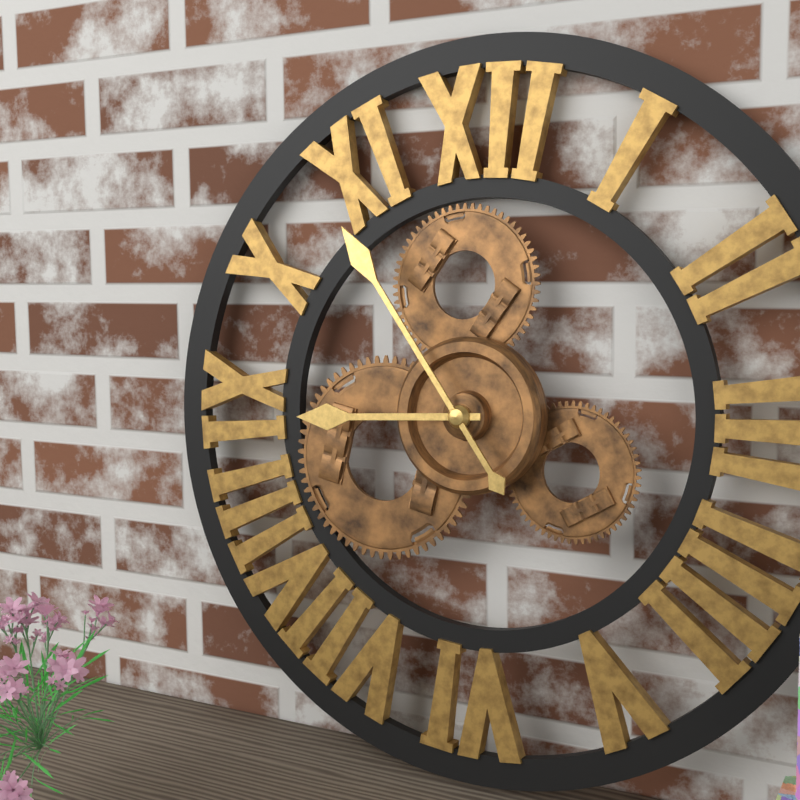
8:54
